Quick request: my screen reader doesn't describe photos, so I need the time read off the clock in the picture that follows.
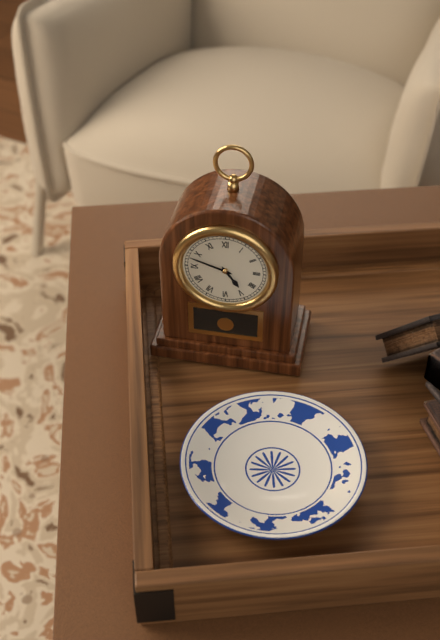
4:48
